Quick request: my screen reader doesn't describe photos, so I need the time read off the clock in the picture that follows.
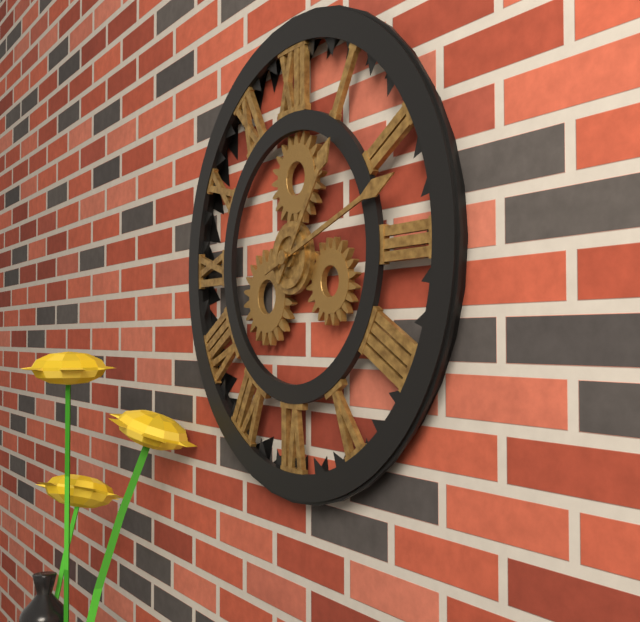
1:12
